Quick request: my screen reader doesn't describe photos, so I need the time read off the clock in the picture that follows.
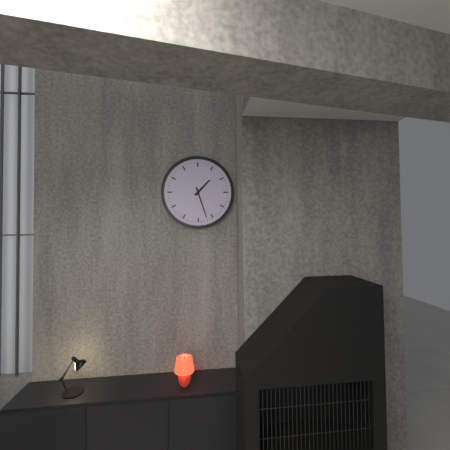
1:27
